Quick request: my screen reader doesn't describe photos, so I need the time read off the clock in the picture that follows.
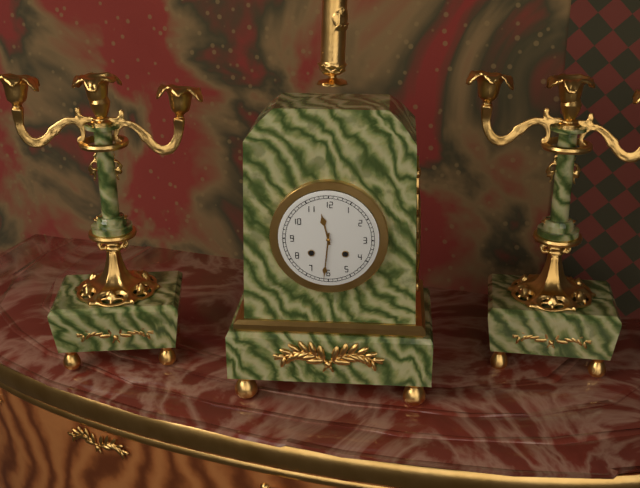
11:31
